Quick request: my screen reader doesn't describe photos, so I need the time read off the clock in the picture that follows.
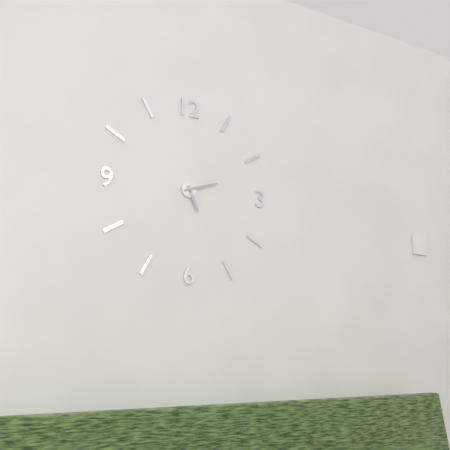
5:12
